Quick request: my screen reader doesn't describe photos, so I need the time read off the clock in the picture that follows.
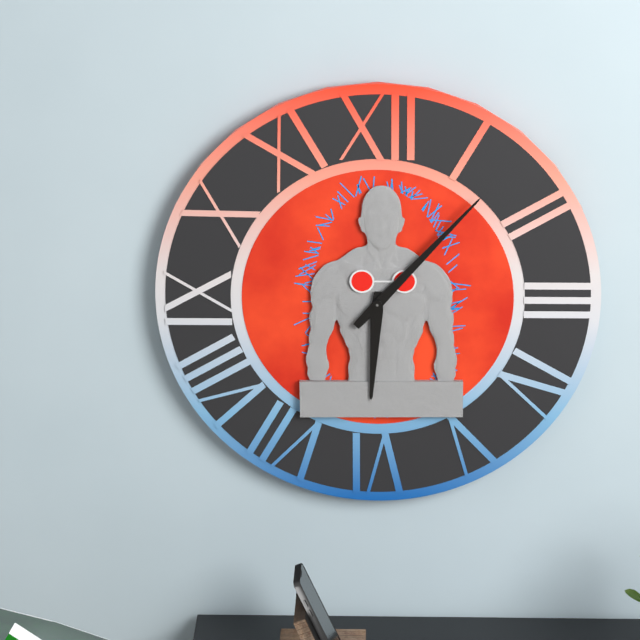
6:07
